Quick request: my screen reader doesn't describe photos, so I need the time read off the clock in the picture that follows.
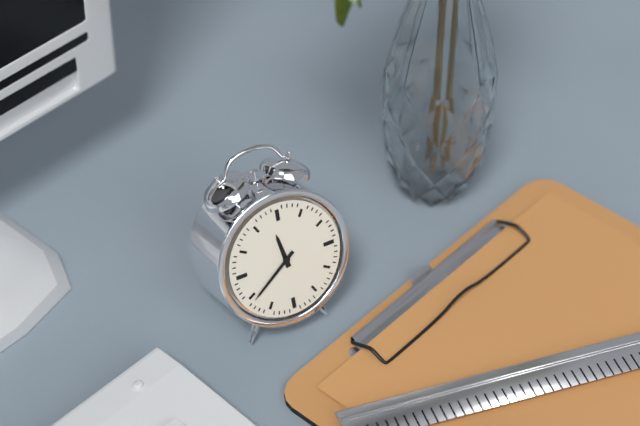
11:39
